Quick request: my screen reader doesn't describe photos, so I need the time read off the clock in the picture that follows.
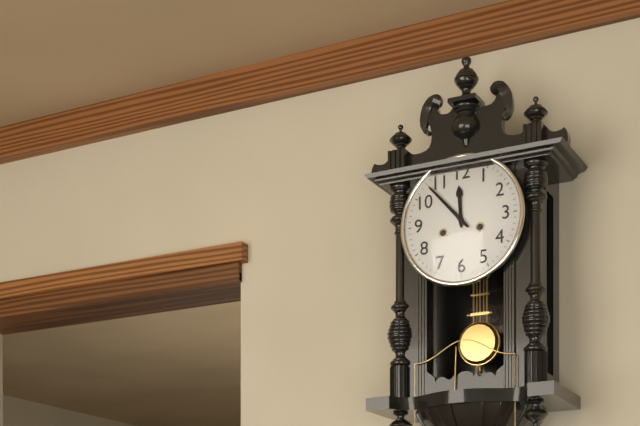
11:53
